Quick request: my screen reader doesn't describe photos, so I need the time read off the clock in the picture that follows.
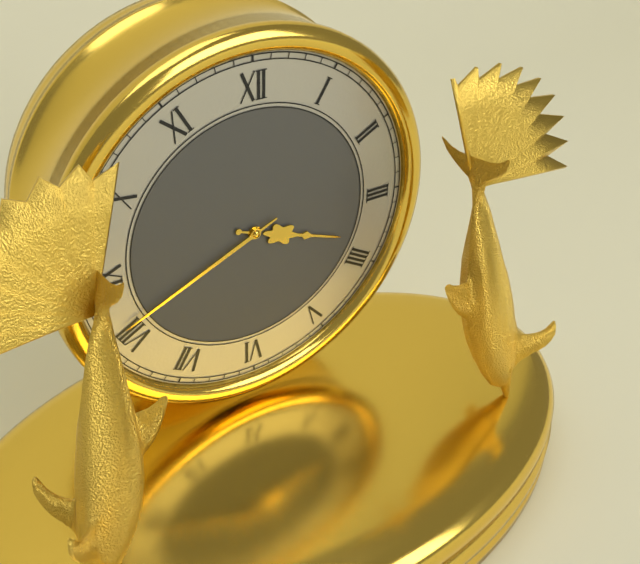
3:41
